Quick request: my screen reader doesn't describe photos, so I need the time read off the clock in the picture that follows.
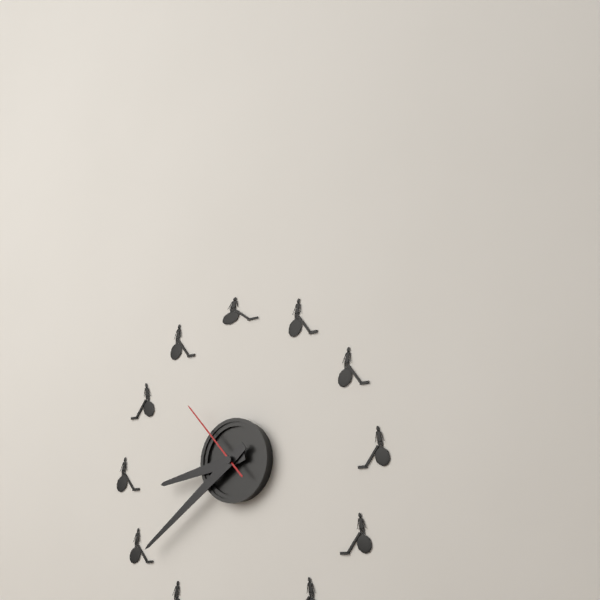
8:39:53
